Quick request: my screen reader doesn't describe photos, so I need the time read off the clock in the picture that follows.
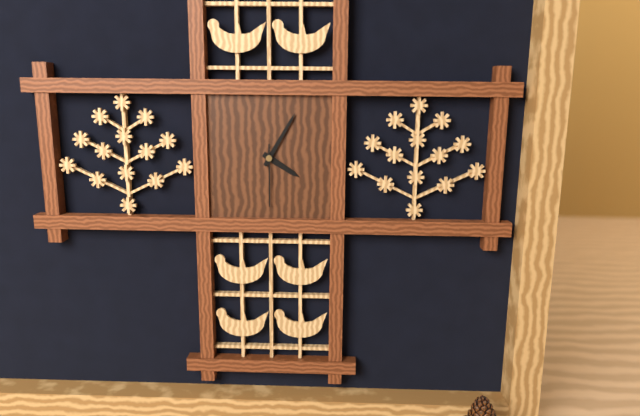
4:05:30
